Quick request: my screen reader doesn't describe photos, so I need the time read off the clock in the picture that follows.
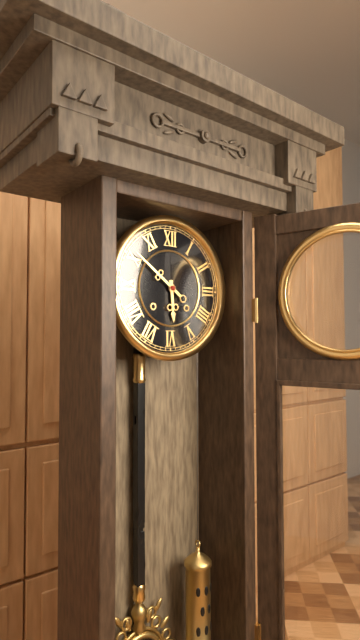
5:51
